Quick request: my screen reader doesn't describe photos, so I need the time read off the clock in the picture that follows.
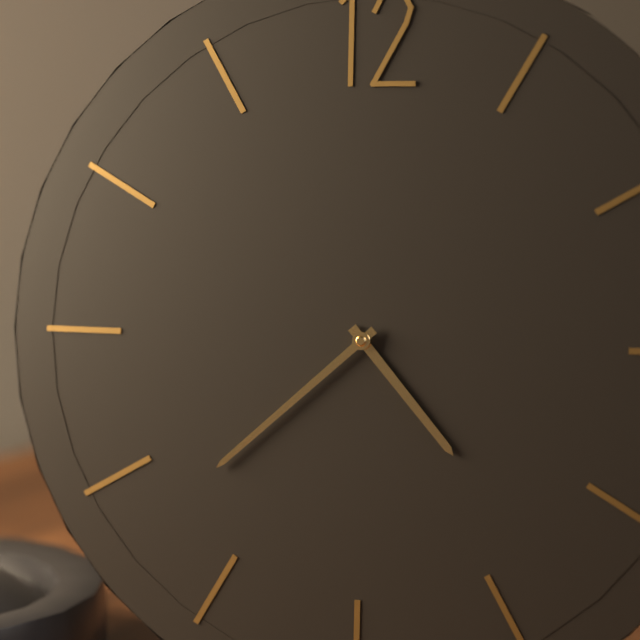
4:38
